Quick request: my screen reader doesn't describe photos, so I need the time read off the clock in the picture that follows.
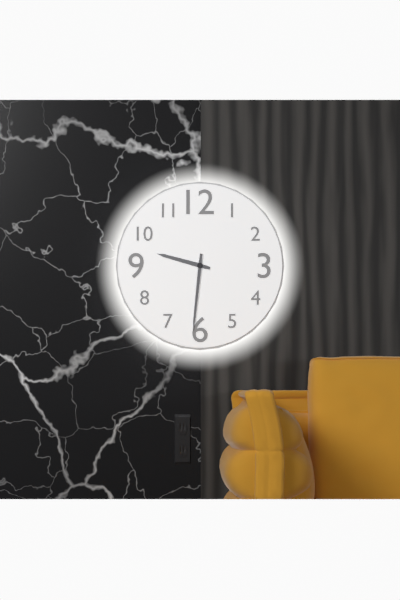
9:31
